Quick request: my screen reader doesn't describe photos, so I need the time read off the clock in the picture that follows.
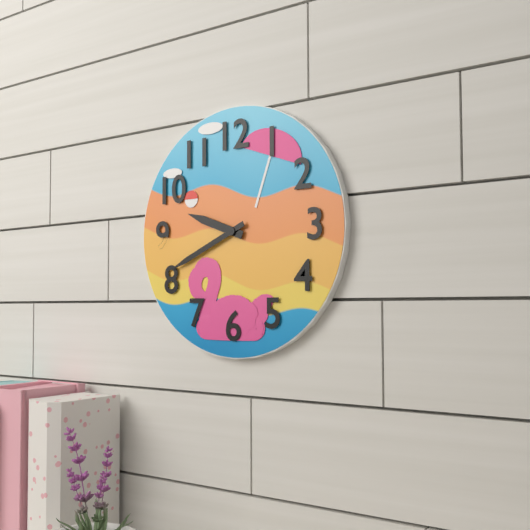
9:41
